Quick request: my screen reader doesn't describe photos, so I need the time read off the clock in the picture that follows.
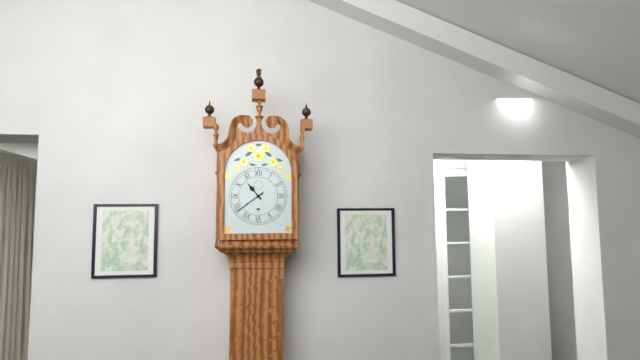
10:39
